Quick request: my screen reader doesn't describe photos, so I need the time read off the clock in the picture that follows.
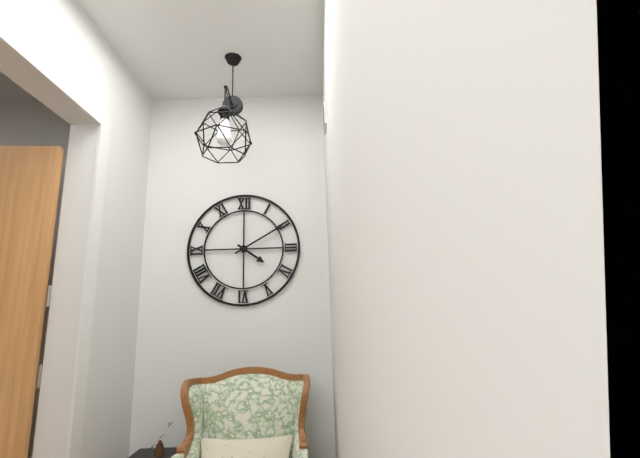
4:10
